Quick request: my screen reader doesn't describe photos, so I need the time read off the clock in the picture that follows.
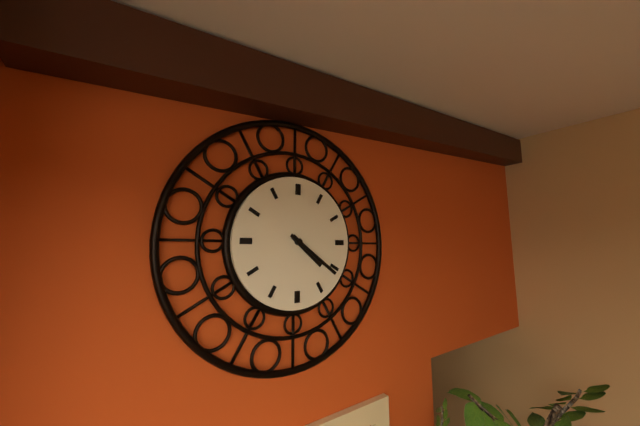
4:21
